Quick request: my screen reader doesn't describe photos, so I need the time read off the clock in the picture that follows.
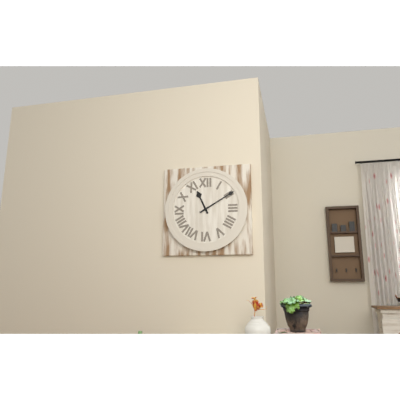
11:10
